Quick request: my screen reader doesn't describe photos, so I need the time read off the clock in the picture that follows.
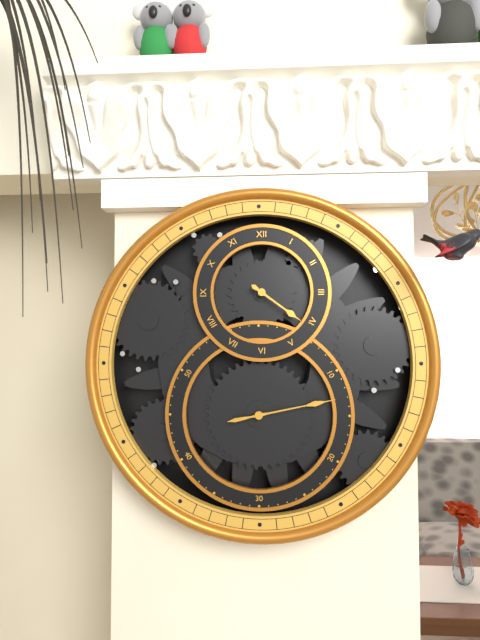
4:13
